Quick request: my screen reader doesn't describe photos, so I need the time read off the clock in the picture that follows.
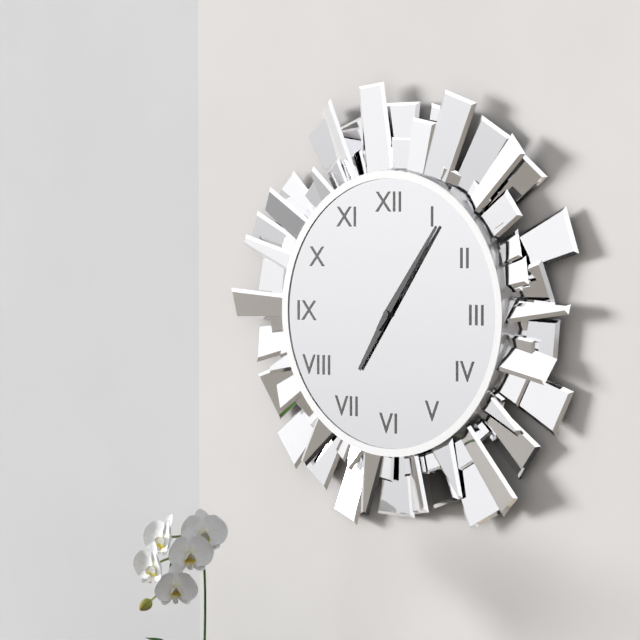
7:06
